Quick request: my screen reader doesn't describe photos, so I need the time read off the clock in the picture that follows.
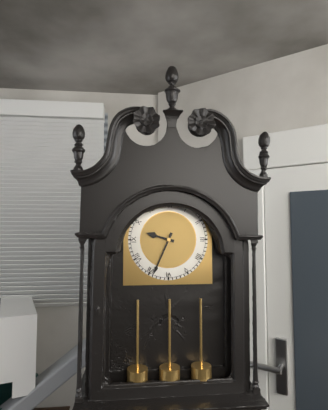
9:34
